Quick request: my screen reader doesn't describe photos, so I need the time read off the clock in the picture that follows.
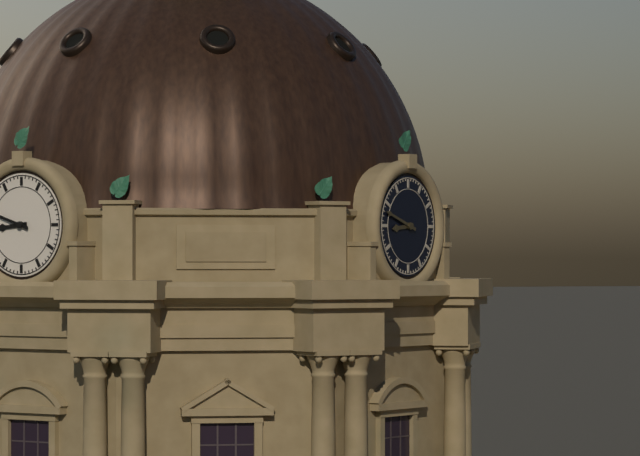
8:48
